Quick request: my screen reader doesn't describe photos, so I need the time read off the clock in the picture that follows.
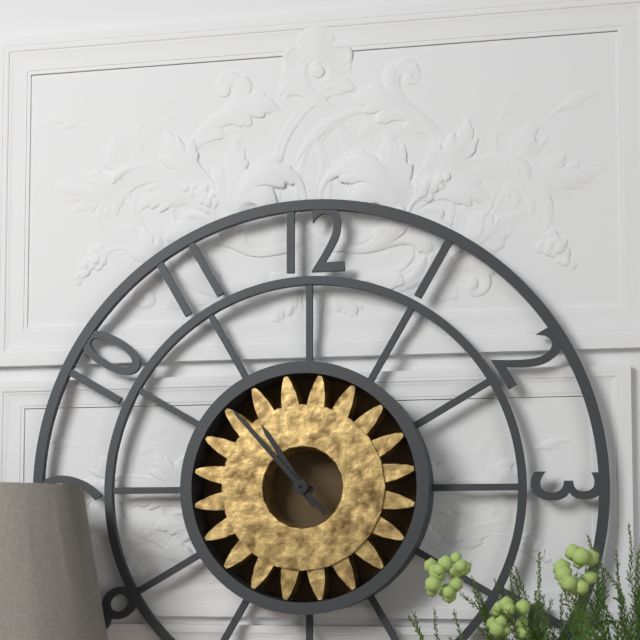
10:53
